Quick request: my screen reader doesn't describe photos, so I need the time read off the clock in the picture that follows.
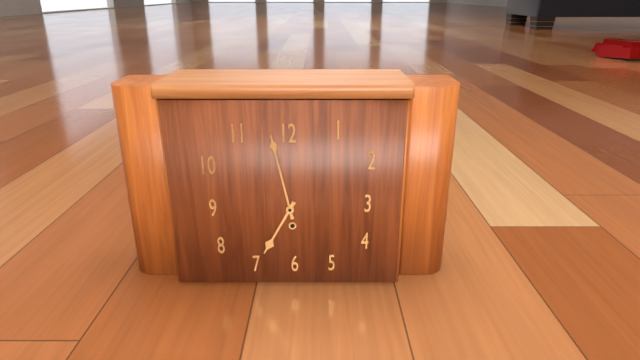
6:58
